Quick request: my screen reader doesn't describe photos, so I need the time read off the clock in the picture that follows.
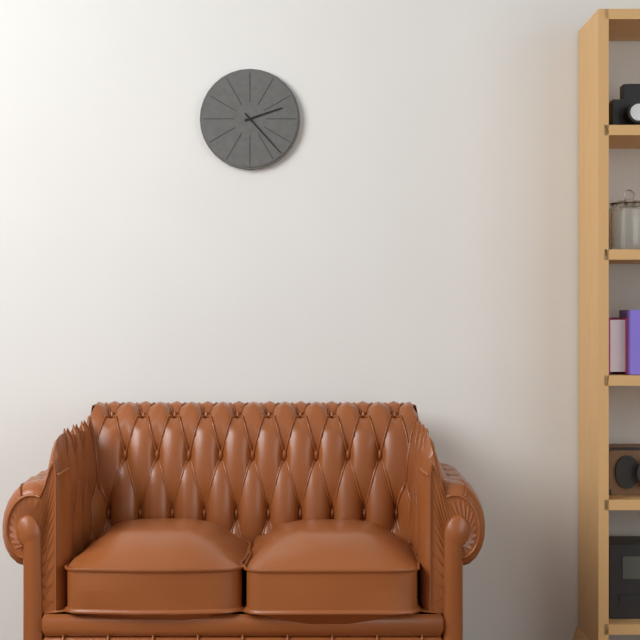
2:23
